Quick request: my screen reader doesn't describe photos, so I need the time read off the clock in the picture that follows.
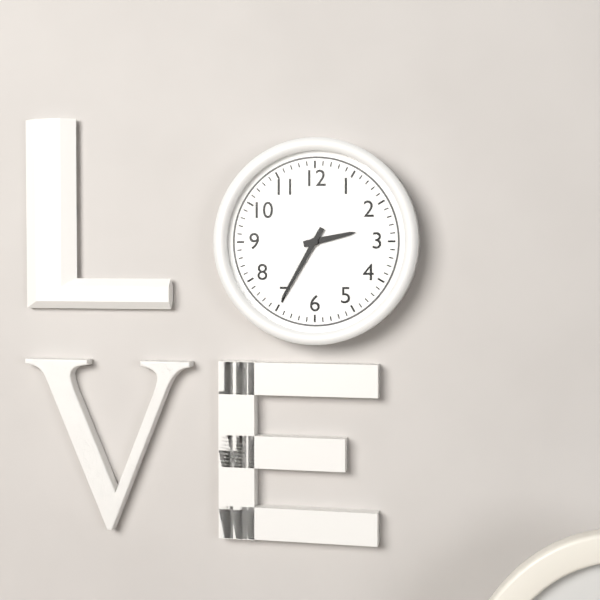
2:35
